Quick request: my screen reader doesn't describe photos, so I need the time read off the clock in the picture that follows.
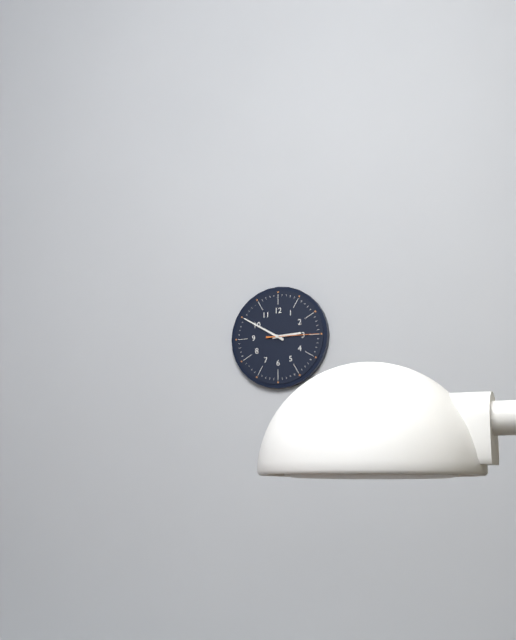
2:50:15
